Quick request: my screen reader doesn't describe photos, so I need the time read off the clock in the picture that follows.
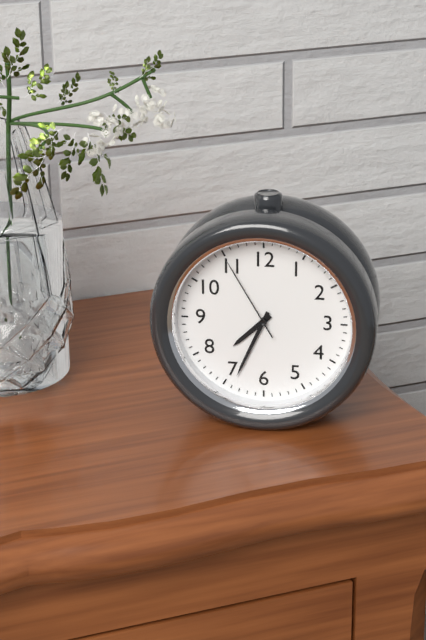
7:34:55
